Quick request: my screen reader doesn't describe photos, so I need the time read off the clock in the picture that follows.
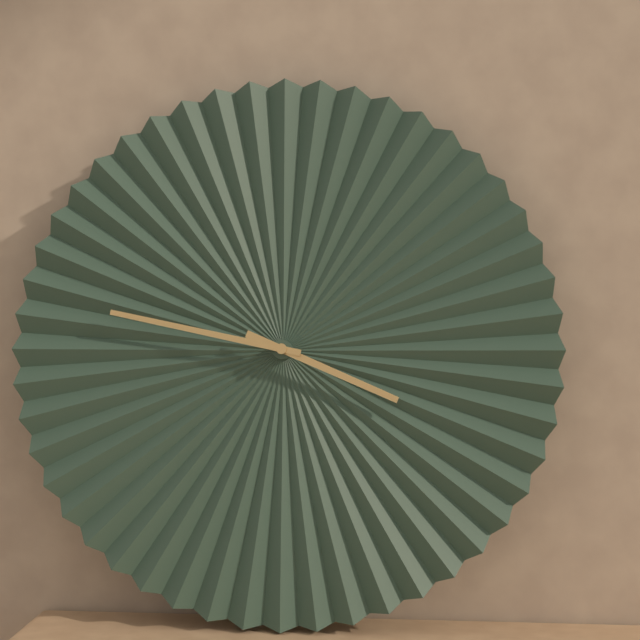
3:47
